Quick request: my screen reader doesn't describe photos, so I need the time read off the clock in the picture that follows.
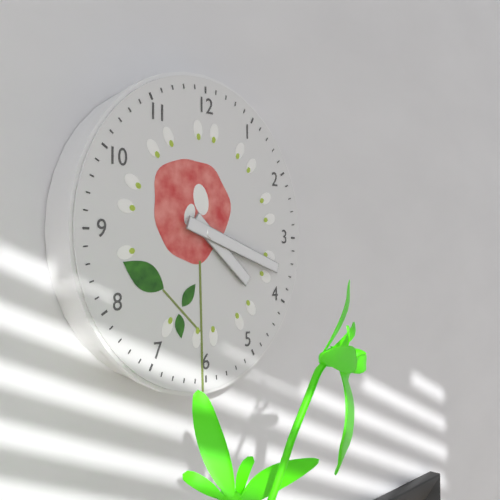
4:18
